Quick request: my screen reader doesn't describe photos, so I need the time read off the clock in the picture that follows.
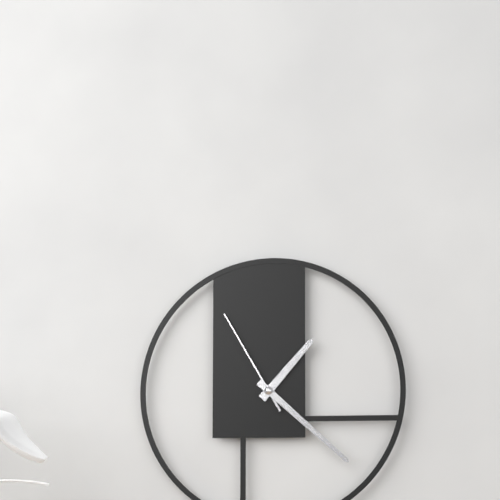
1:22:55
